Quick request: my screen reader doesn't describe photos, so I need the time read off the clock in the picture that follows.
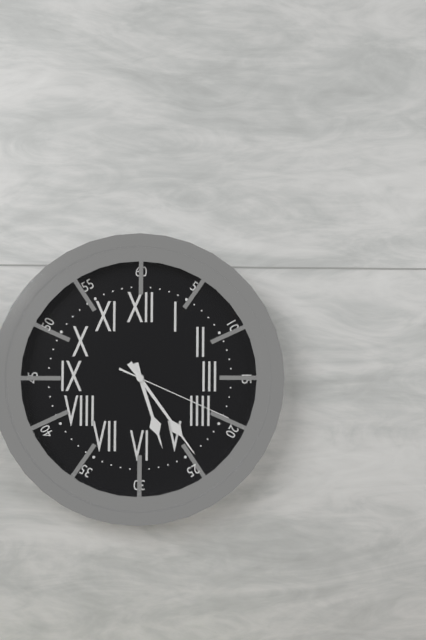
5:24:19
